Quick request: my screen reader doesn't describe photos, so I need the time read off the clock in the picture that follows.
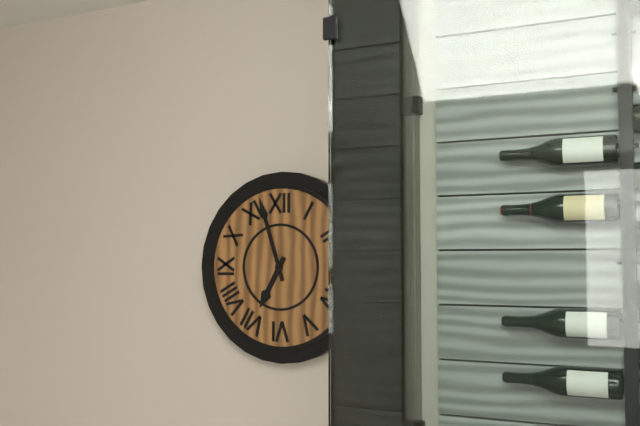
6:57
